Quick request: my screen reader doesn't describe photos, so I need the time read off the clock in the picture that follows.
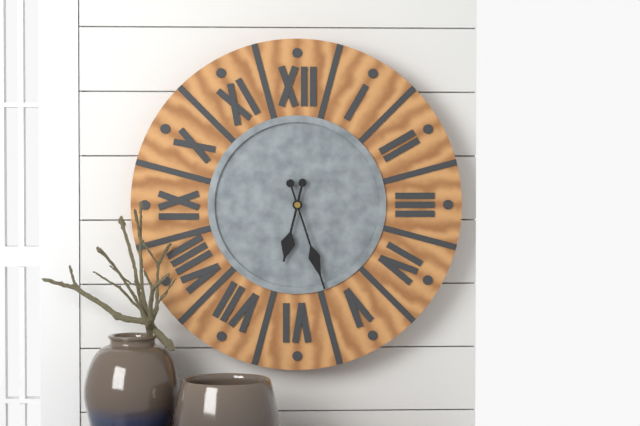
6:27
